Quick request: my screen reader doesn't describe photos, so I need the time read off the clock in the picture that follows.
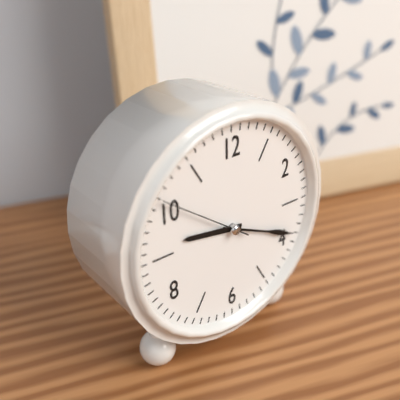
9:19:51
